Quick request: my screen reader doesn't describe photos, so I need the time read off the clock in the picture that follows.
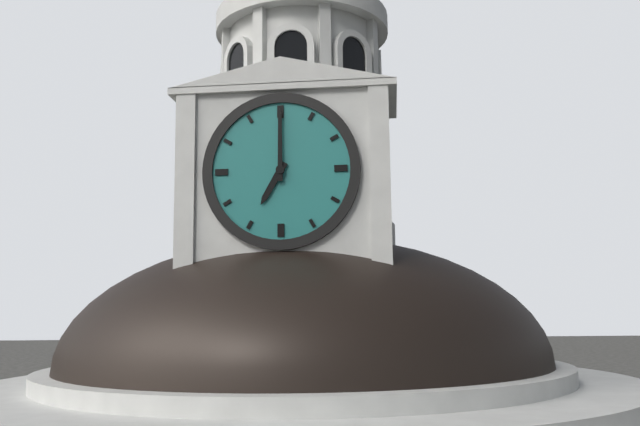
7:00
